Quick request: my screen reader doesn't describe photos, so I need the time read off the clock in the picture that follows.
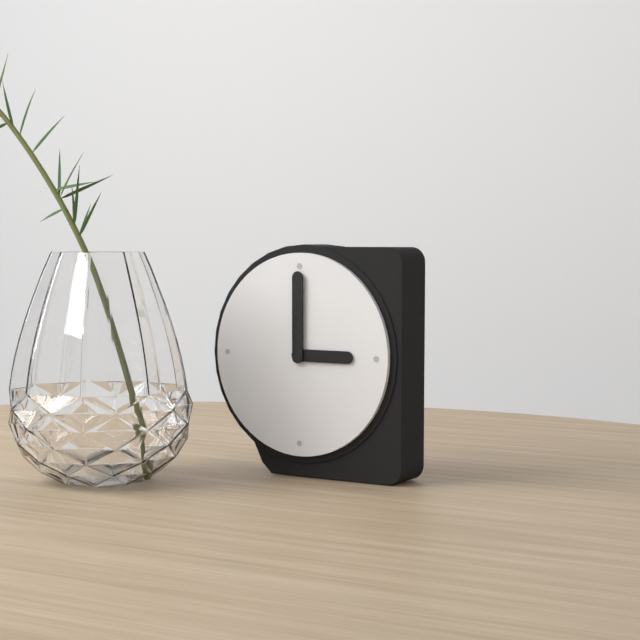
3:00
